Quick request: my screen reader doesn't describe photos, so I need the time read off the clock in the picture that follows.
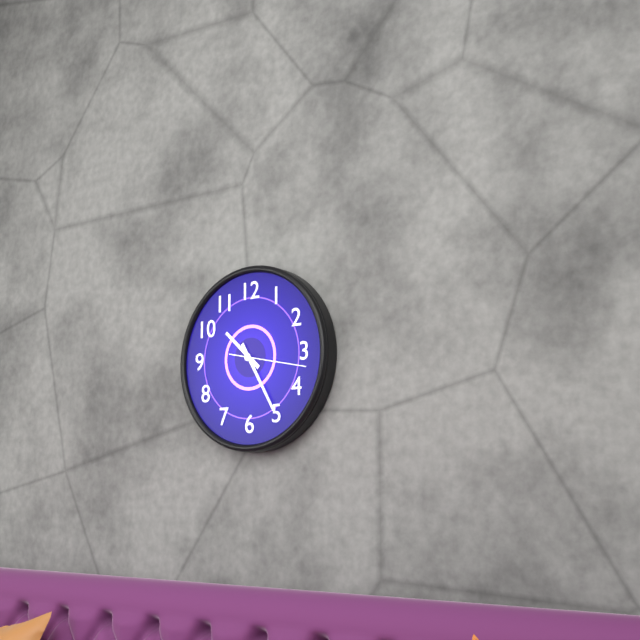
10:25:17
